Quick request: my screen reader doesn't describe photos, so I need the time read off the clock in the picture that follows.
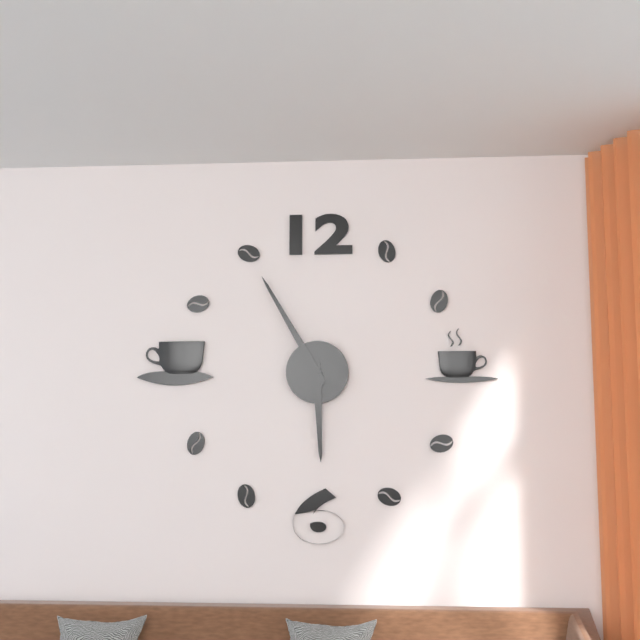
5:55
